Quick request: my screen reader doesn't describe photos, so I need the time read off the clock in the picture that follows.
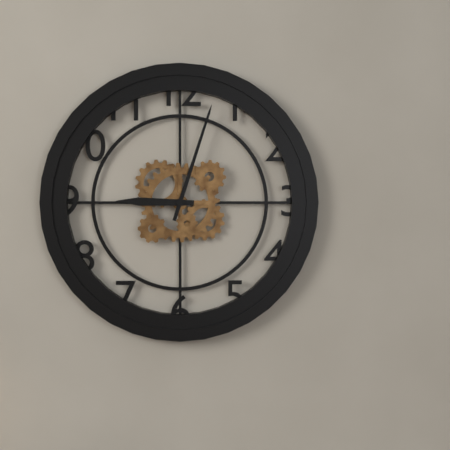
9:03
